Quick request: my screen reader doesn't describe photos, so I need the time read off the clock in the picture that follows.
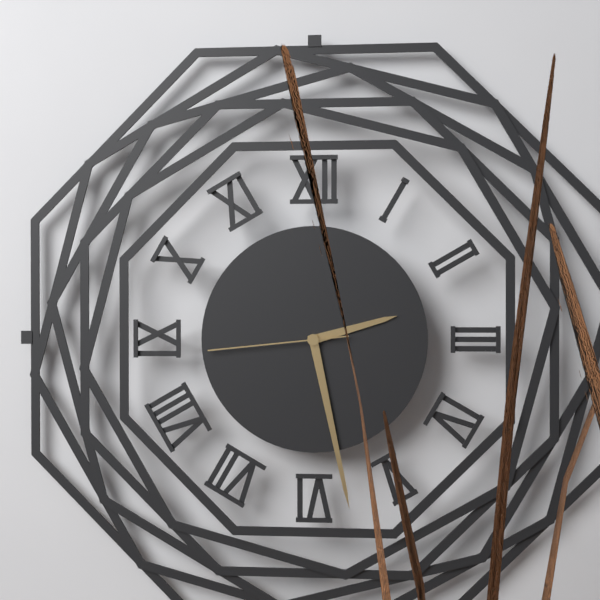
2:28:44
